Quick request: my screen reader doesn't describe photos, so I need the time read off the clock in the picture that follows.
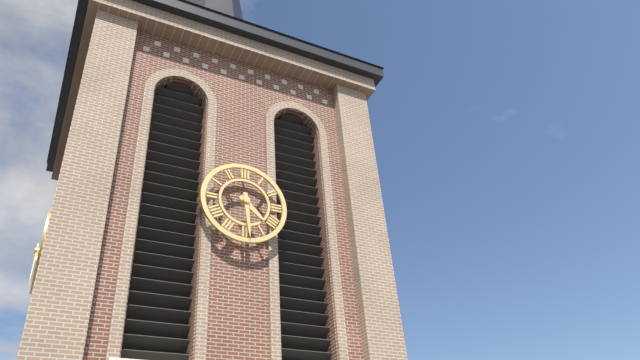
4:29
